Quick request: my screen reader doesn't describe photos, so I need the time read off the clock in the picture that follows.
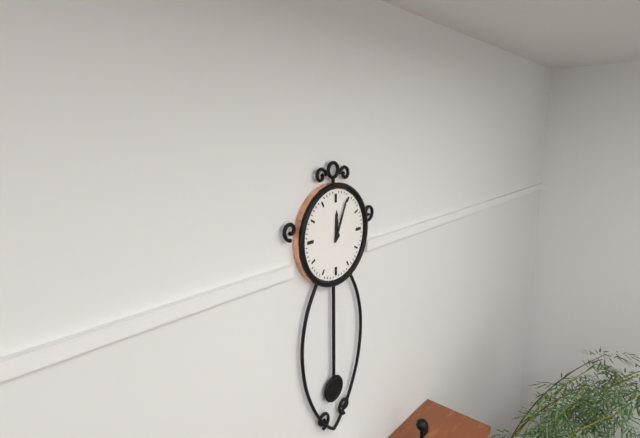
12:04
